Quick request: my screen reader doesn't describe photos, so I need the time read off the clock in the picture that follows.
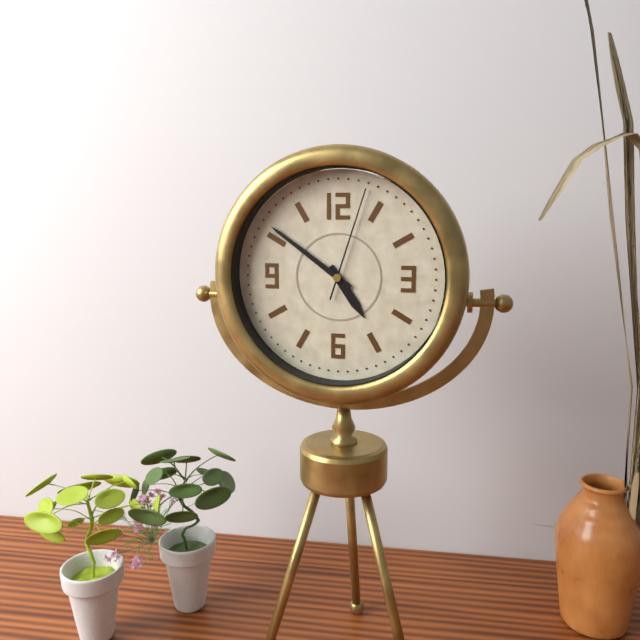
4:51:03
